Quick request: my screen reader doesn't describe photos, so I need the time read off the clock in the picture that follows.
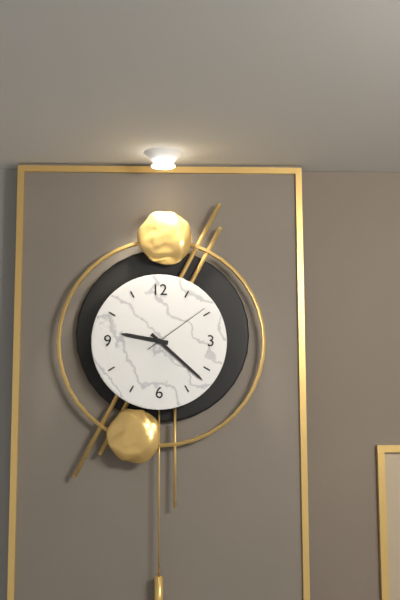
9:22:09
